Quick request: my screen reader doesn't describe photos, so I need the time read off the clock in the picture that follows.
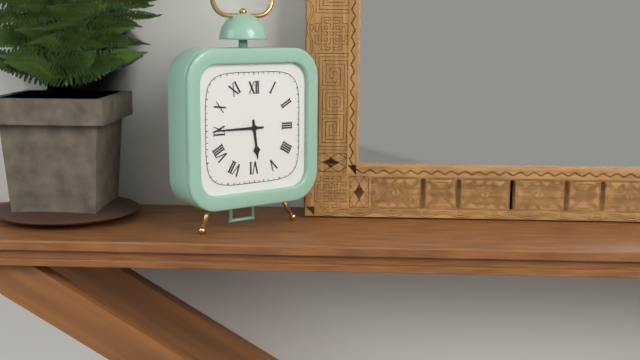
5:45
